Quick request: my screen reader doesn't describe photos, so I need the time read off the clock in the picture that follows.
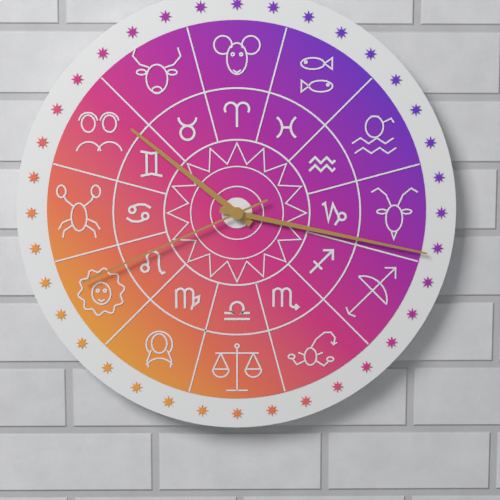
10:17:41
